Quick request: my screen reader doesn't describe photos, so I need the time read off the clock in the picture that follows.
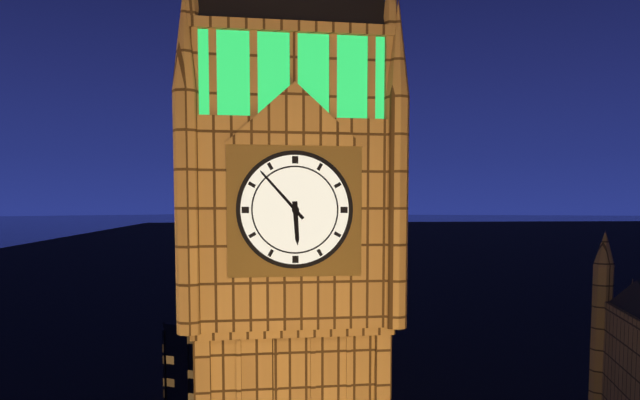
5:53
